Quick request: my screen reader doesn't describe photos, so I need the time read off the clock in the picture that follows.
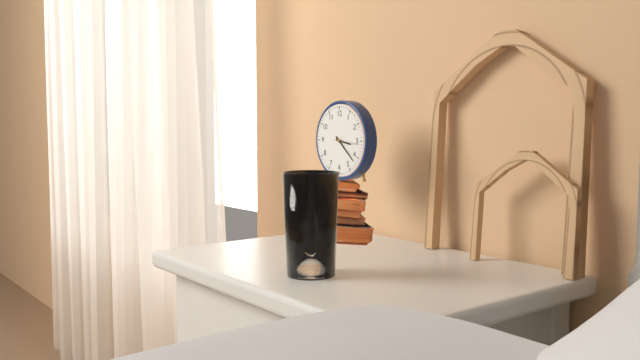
3:22
